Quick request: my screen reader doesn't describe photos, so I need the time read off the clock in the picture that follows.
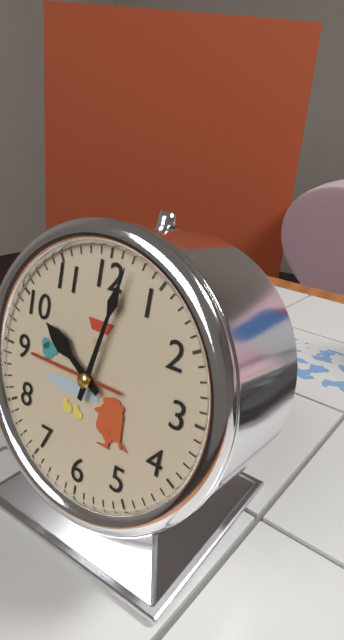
10:02
